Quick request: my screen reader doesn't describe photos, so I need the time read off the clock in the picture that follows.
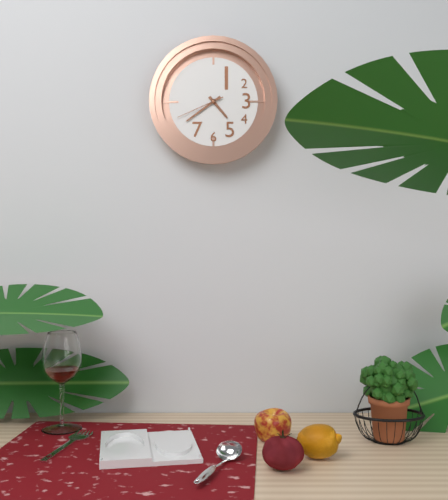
4:39
